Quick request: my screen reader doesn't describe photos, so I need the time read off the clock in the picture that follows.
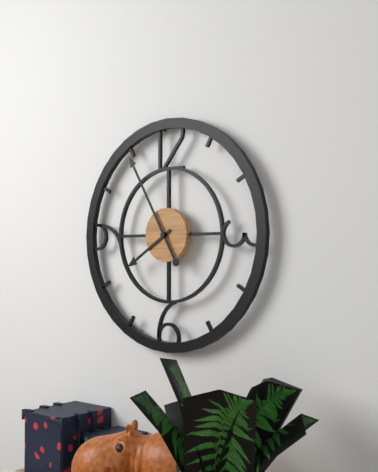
7:55
